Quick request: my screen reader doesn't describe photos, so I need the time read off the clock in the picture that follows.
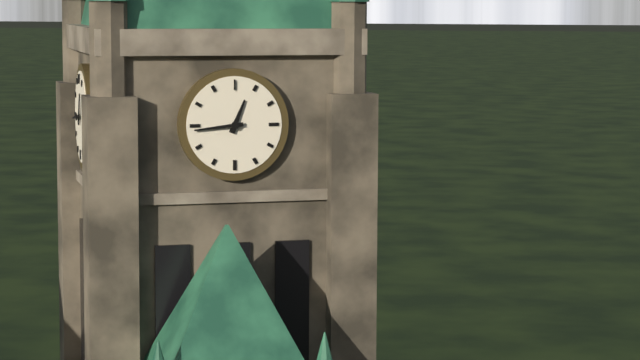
12:44
